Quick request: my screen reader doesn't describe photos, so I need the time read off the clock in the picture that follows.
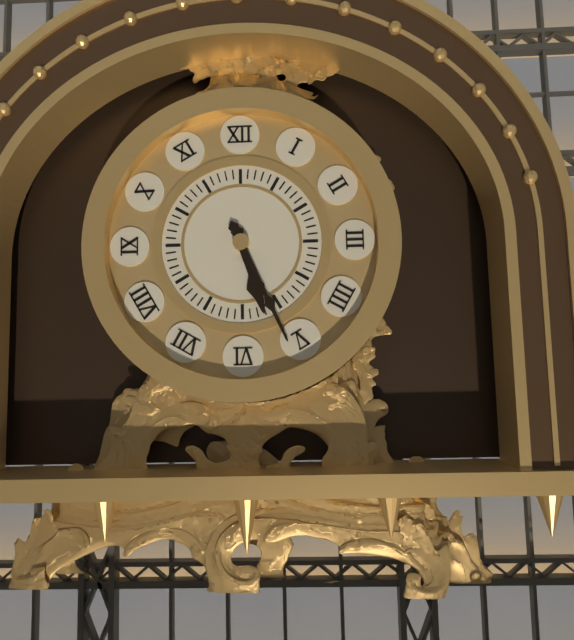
5:26
